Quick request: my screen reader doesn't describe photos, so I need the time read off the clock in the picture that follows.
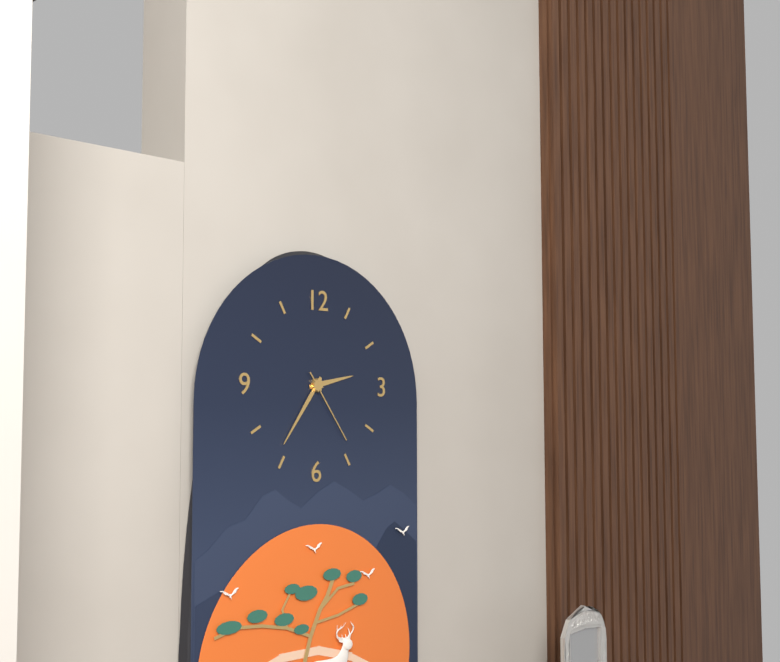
2:36:24
